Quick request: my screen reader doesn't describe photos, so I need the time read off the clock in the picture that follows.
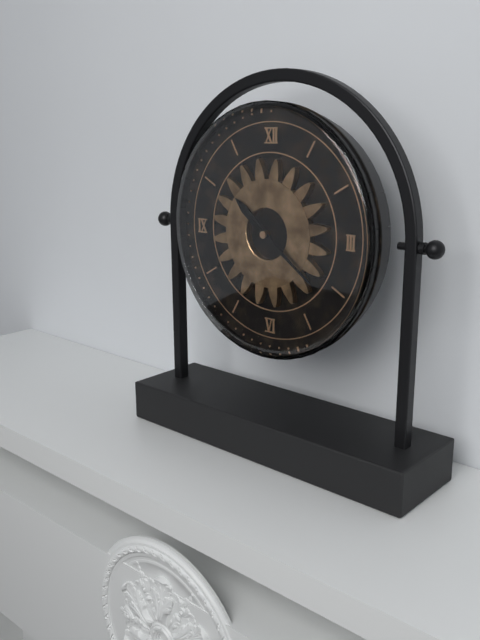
10:21
